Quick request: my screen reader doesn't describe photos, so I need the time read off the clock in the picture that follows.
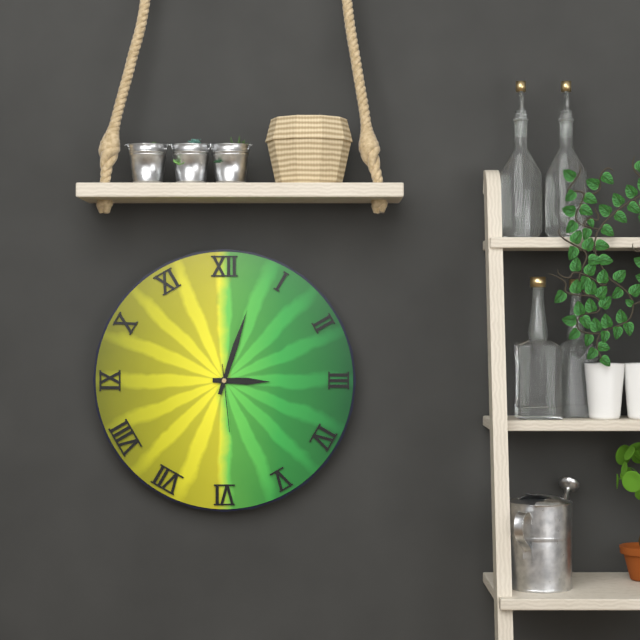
3:03:29
